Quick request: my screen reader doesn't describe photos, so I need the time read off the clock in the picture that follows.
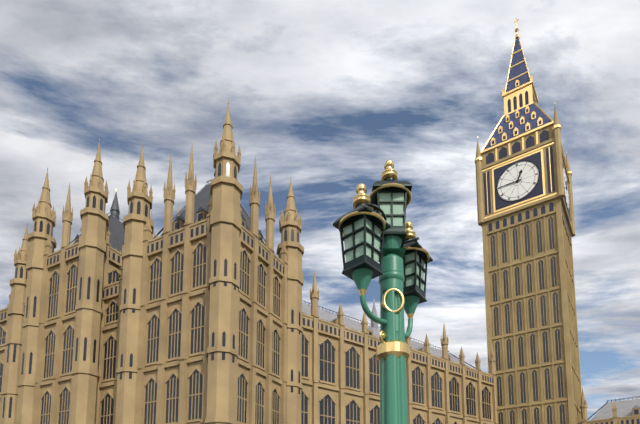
12:45
